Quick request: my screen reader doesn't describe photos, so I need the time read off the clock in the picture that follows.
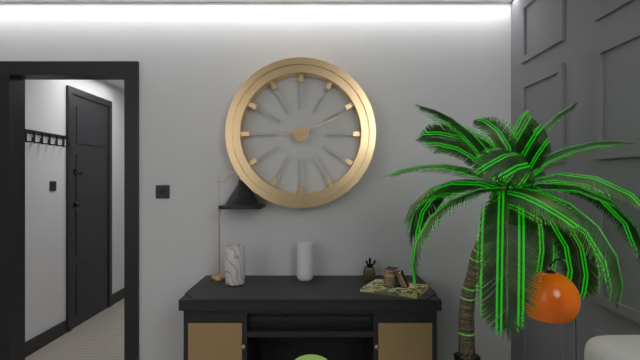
9:11
